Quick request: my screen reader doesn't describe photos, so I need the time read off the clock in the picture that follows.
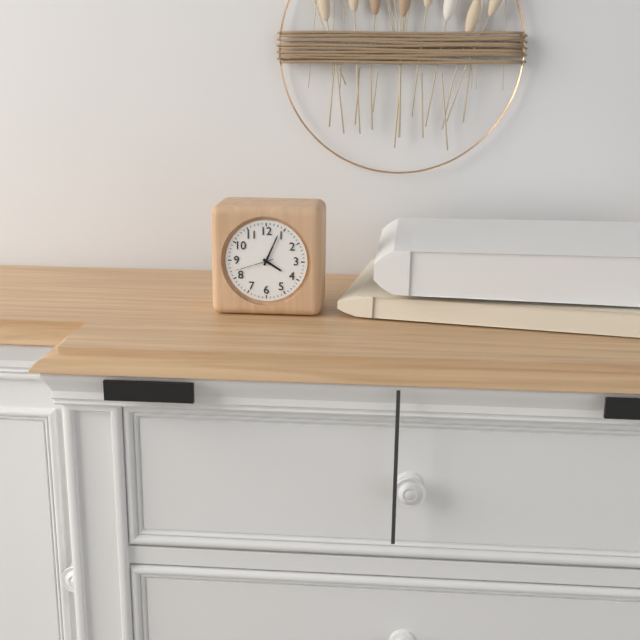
4:04
